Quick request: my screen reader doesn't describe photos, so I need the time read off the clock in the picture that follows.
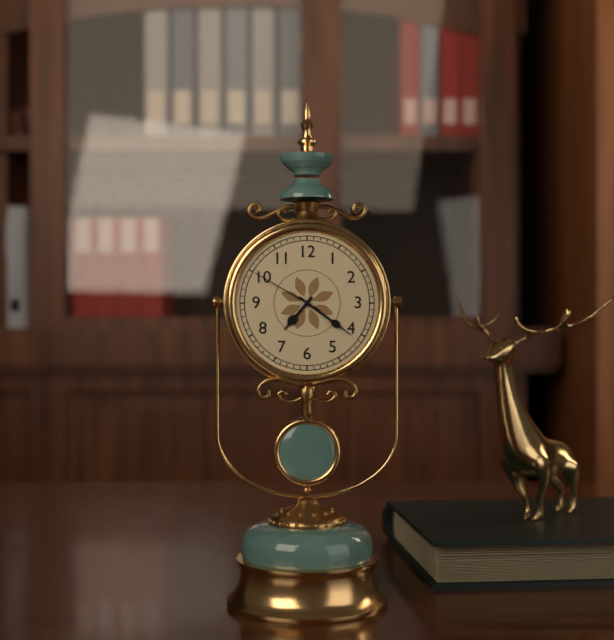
7:21:50
